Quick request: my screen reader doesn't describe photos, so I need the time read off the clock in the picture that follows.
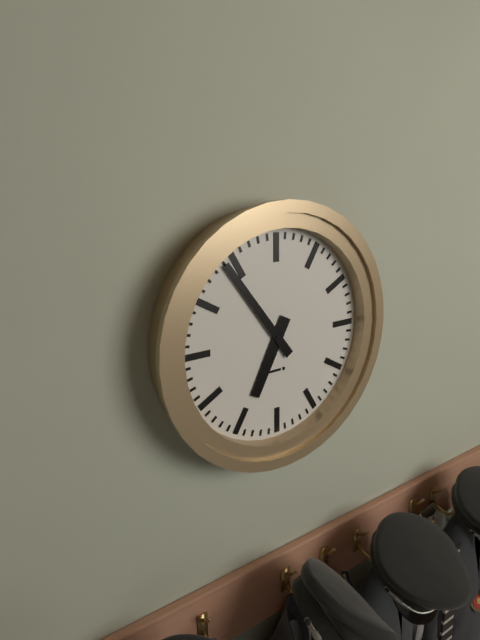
6:54
